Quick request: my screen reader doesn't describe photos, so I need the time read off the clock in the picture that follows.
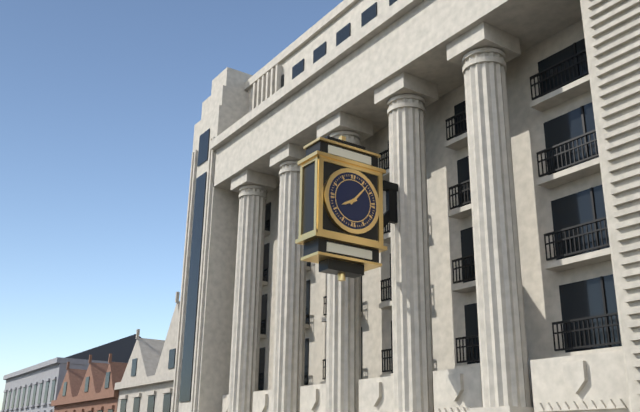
8:07
